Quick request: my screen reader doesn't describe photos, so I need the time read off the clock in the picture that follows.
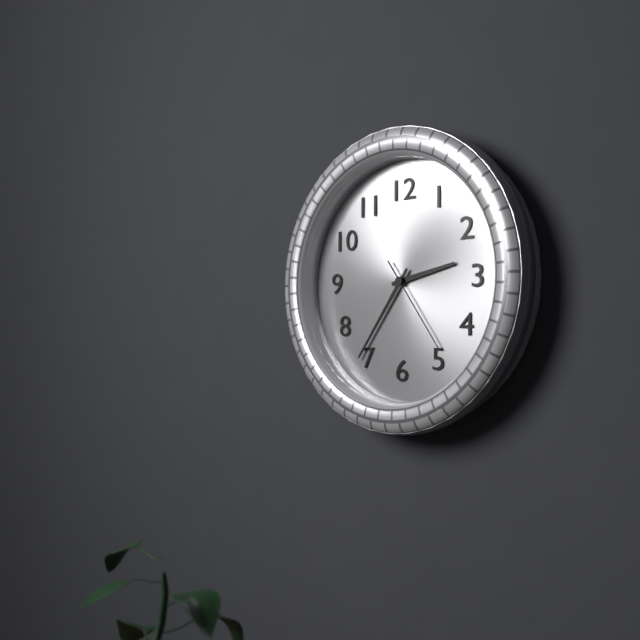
2:36:24
